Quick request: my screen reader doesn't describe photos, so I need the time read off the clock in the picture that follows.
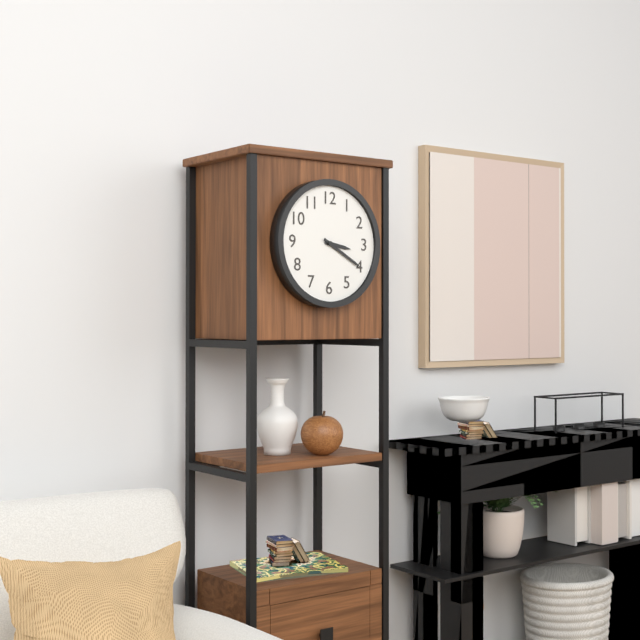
3:20
